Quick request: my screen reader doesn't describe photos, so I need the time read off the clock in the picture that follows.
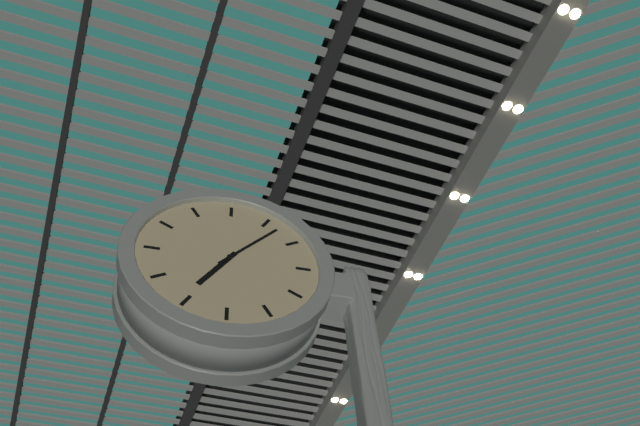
7:07
